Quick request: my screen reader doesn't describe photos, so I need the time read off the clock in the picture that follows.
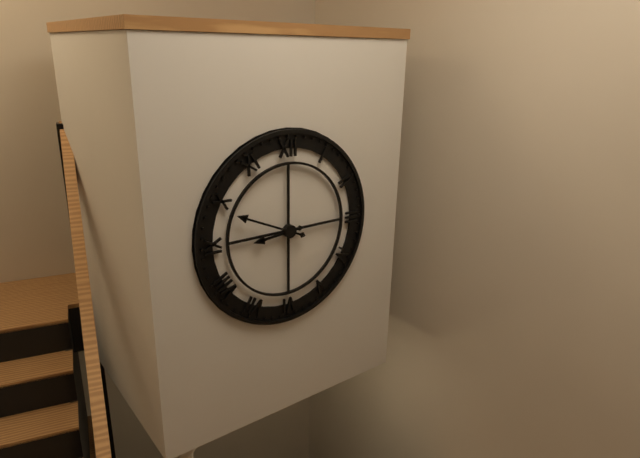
8:49
